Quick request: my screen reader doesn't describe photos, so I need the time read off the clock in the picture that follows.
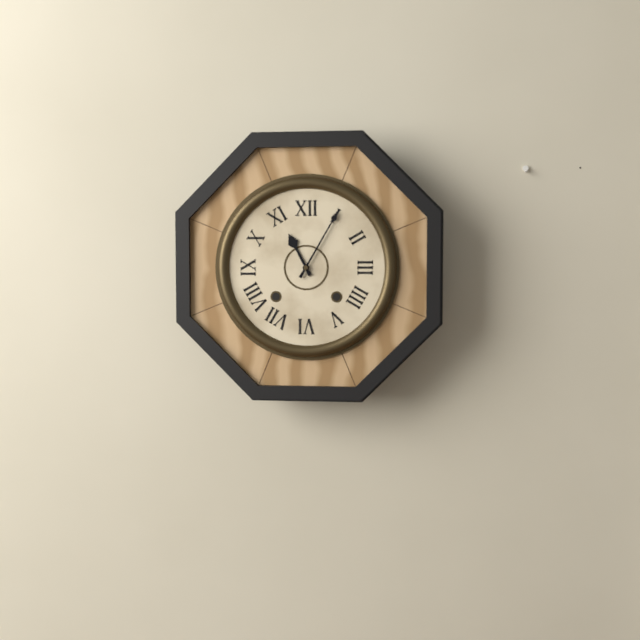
11:05
